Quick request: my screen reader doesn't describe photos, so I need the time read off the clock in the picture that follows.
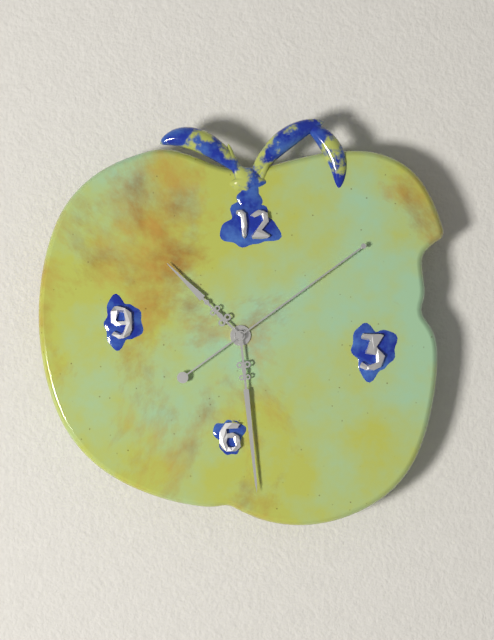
10:29:09
